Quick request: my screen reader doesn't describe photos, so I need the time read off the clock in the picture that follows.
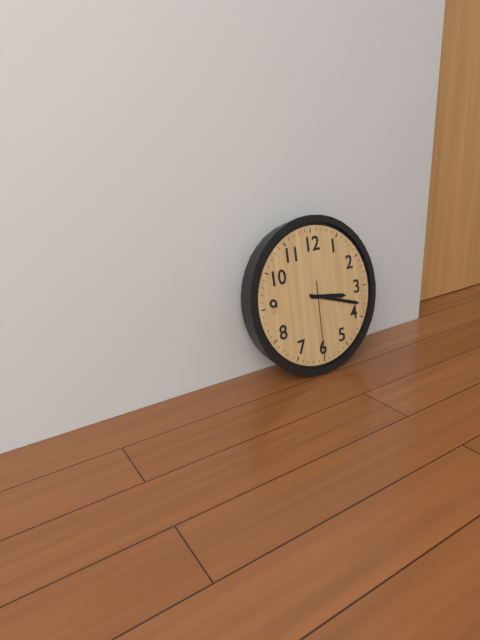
3:18:30
